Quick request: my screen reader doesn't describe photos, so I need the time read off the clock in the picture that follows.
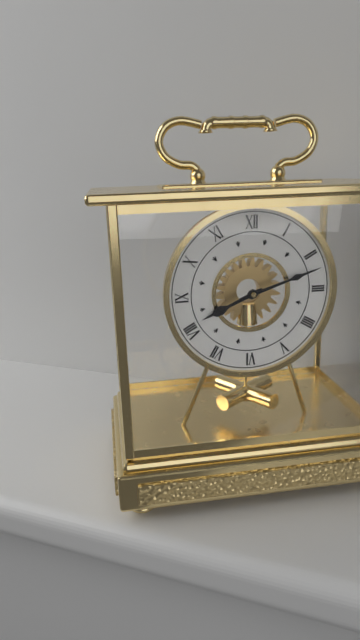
8:12
